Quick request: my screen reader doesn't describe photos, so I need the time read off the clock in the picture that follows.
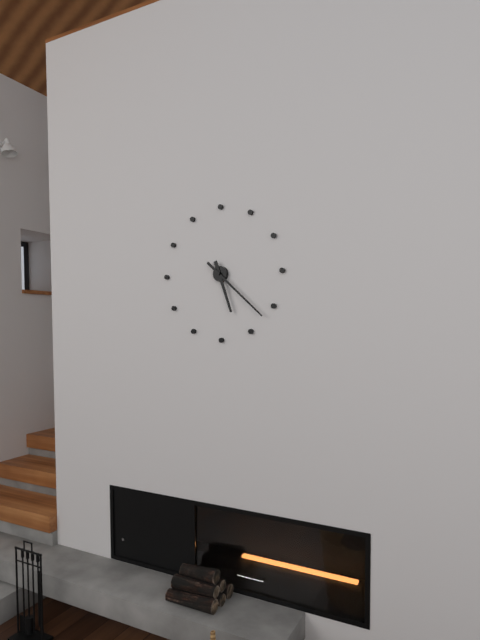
5:22
